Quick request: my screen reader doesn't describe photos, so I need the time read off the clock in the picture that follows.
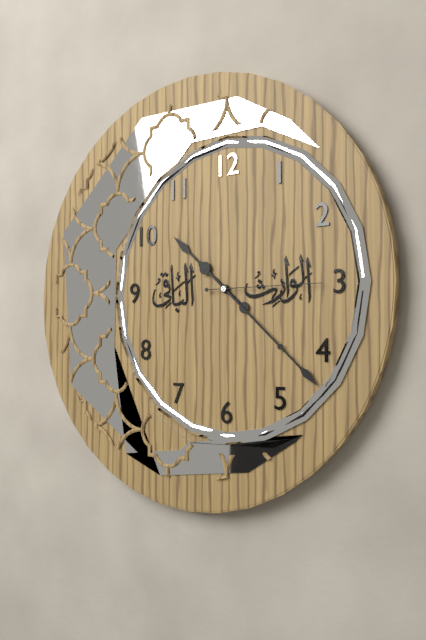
10:22:15
